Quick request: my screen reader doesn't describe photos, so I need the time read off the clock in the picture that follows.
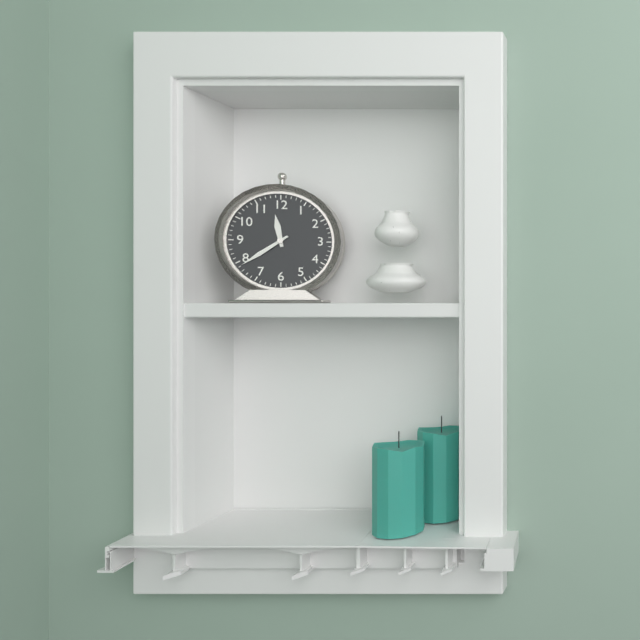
11:39
